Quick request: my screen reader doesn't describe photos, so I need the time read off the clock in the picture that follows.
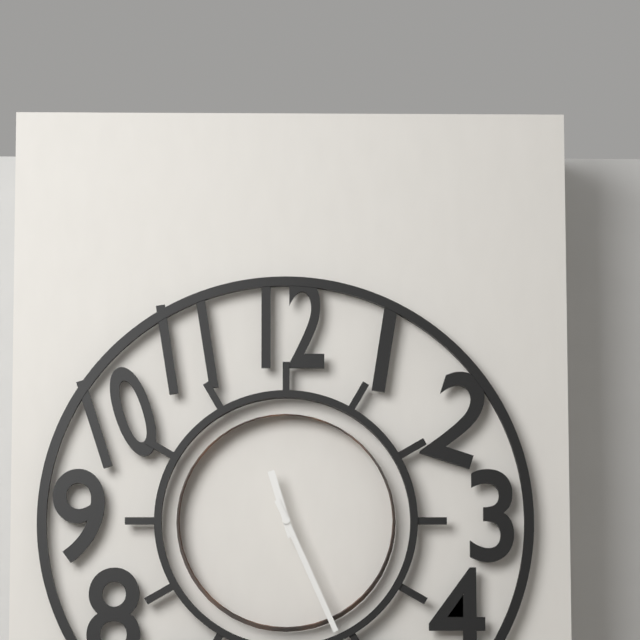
11:26
